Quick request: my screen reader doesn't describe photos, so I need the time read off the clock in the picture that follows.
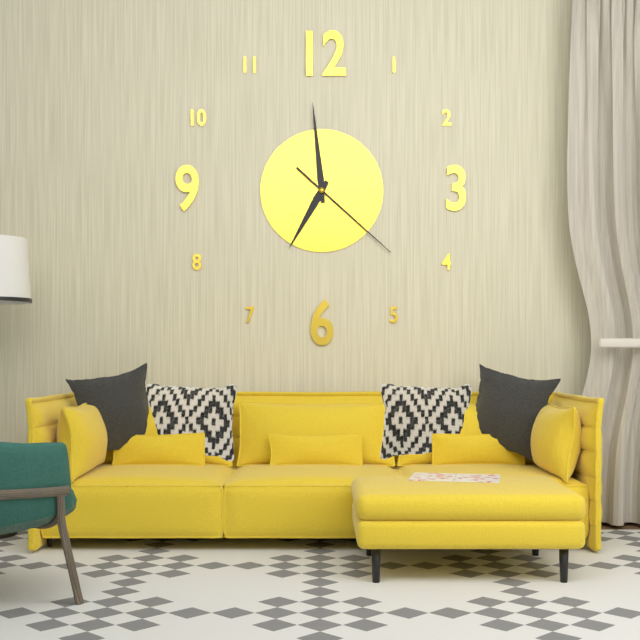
6:59:22
